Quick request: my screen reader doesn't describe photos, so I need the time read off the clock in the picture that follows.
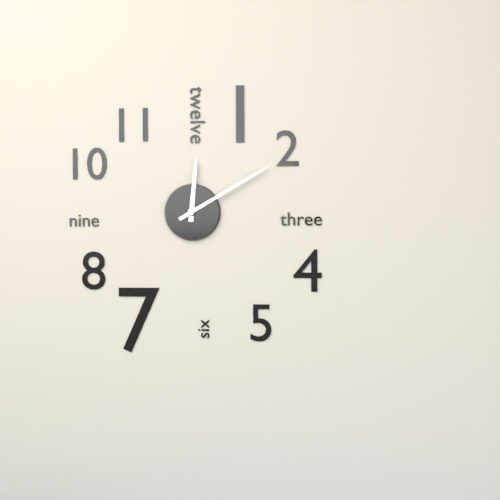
12:10
